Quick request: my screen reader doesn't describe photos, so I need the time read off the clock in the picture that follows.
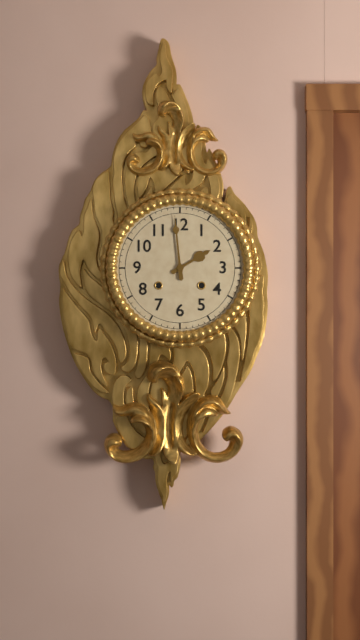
1:59
